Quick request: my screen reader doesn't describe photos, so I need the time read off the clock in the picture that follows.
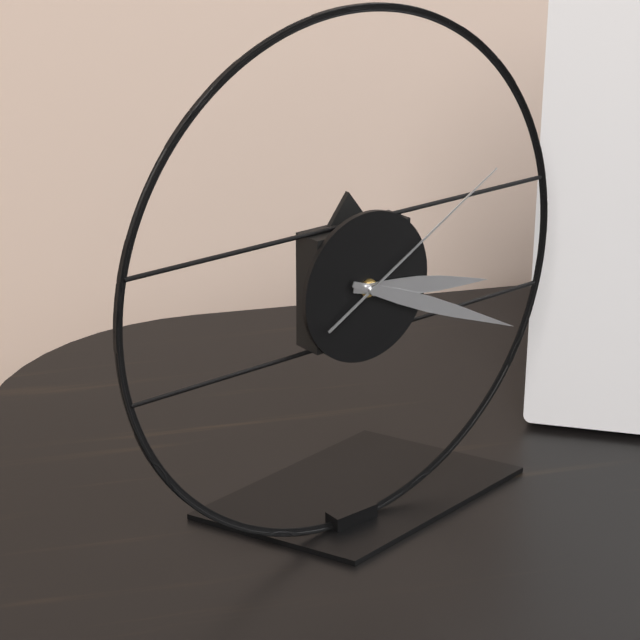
3:19:10
